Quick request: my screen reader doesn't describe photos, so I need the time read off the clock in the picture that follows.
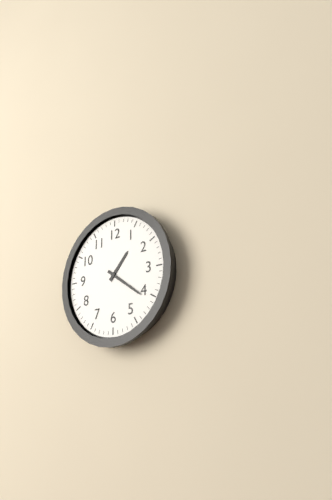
1:21
